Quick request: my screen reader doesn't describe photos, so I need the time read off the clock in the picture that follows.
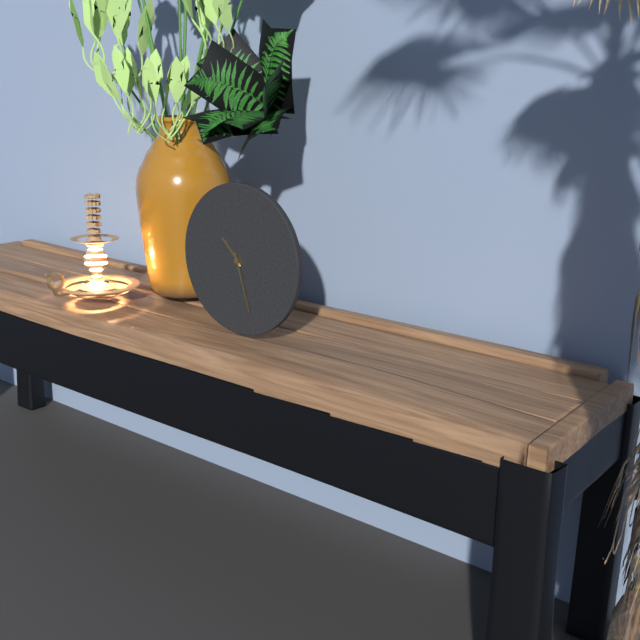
10:27
